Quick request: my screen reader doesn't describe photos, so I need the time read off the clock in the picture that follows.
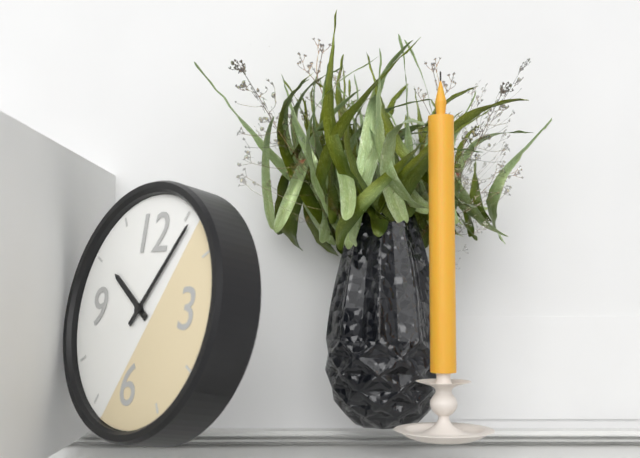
10:06
